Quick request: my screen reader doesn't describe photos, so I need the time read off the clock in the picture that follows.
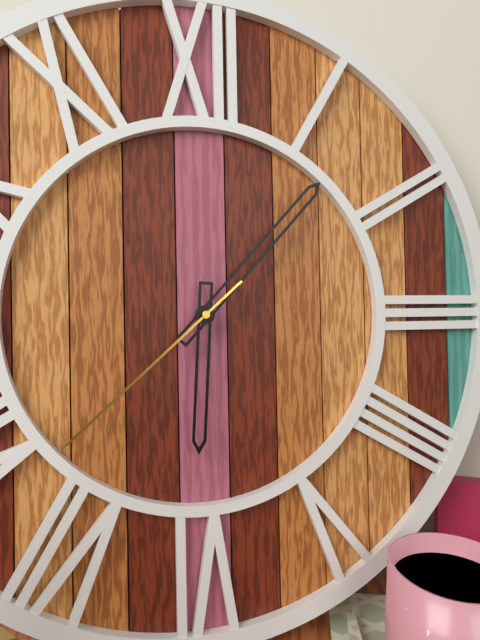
6:07:38
